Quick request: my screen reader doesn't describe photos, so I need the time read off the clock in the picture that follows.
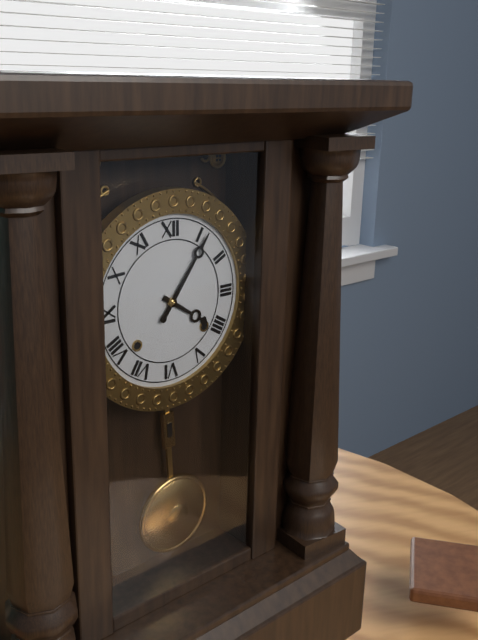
4:06
